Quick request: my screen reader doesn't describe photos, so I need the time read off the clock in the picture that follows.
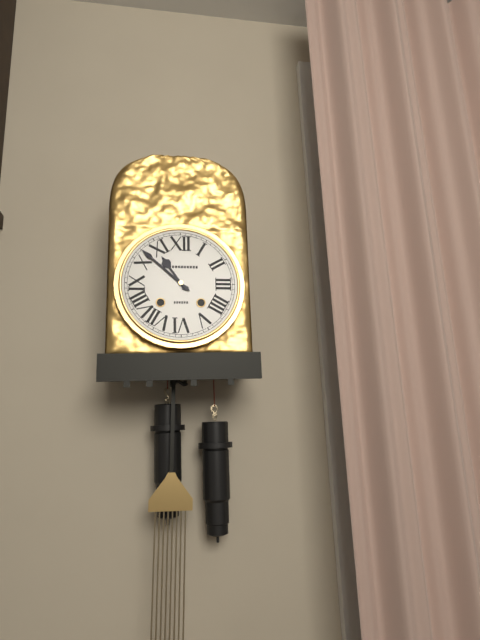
10:52
